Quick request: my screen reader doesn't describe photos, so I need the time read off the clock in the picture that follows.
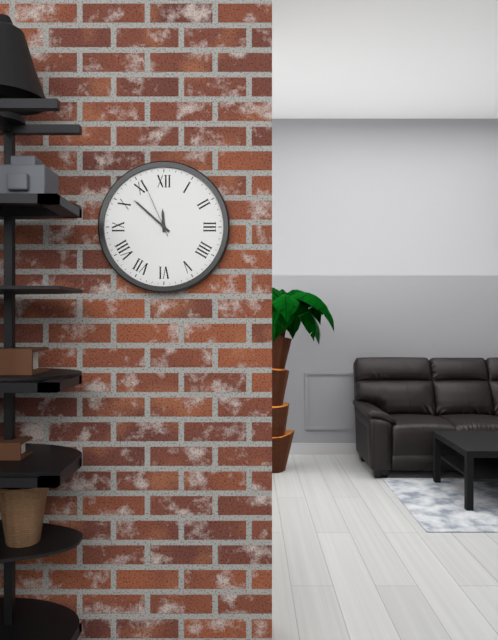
11:52:56
